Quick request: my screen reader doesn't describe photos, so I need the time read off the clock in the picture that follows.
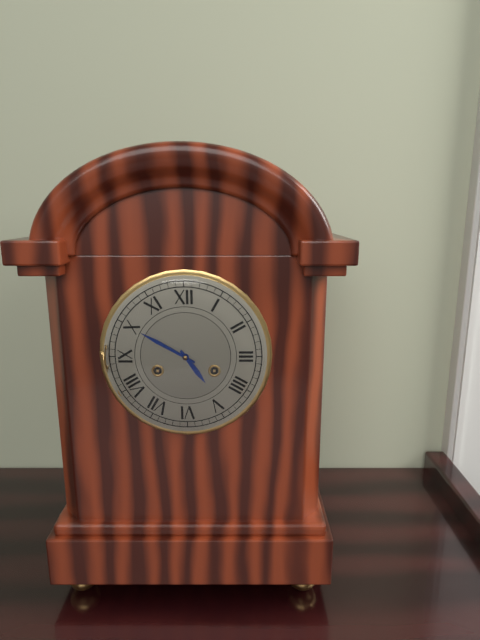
4:50
